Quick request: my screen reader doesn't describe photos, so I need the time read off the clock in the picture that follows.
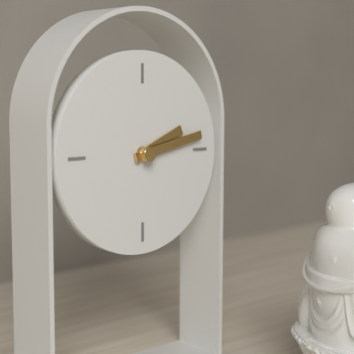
2:13
